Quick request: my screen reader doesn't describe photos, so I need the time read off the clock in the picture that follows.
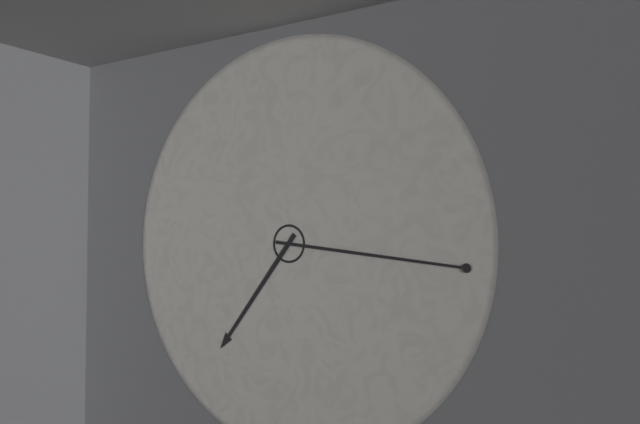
7:16
